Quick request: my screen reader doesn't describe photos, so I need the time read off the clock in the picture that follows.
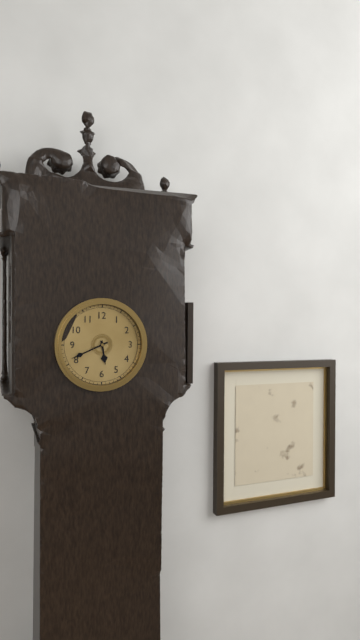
5:41
